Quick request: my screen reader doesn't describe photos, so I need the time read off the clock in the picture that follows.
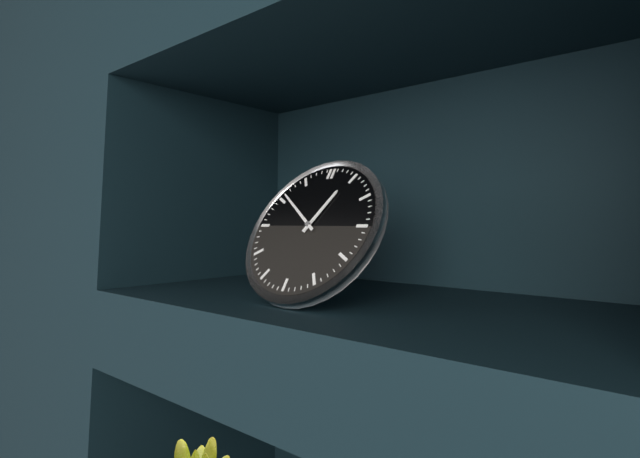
12:51
